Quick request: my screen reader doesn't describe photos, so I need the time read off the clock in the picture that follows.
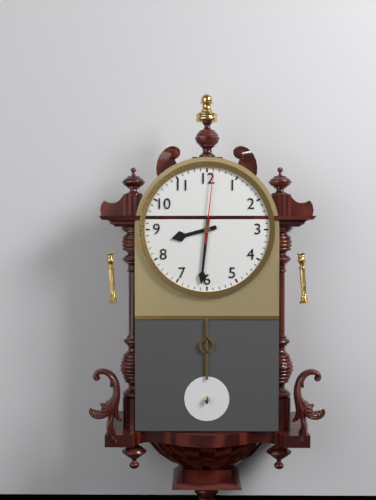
8:31:01
